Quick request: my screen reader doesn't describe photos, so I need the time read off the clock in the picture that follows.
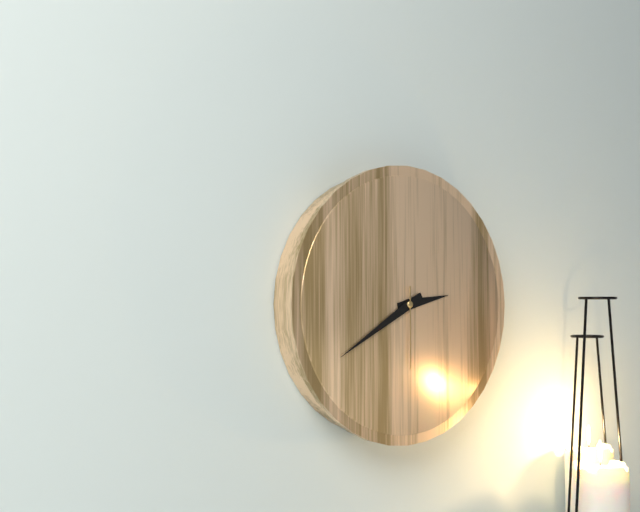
2:40:30
